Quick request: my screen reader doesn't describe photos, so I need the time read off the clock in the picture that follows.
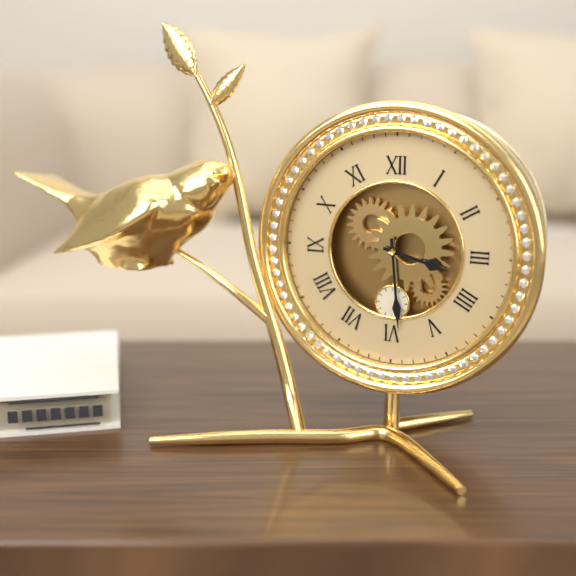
3:29
